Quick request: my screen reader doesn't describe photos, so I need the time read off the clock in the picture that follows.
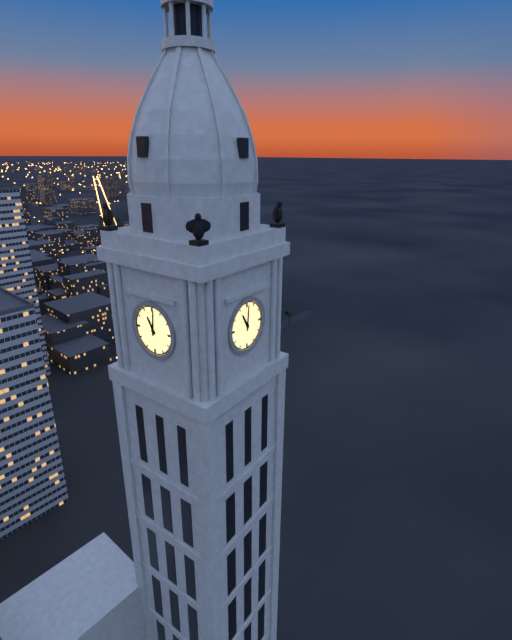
11:01
